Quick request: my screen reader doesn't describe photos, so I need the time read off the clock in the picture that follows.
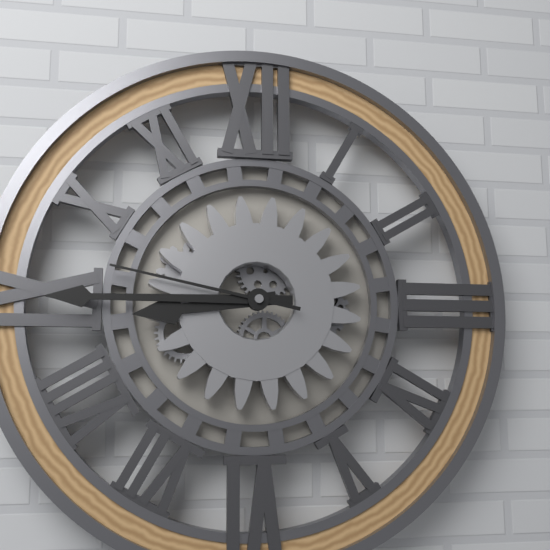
8:45:47
